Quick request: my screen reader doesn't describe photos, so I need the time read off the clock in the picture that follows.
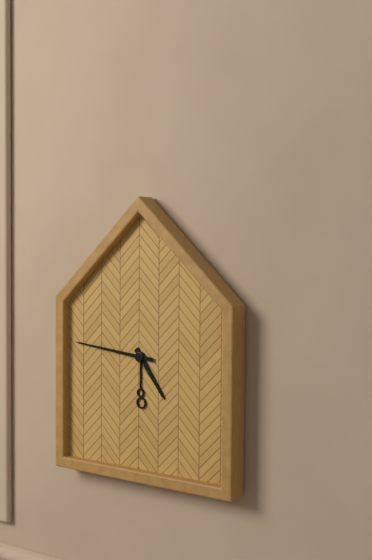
4:46
